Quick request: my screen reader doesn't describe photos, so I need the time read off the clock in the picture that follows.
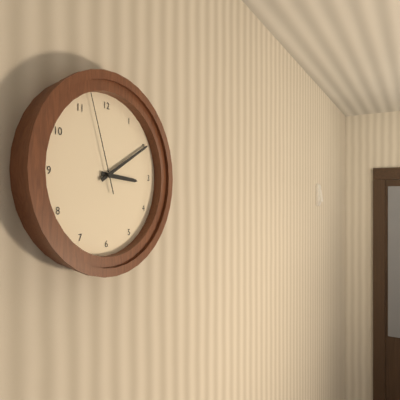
3:10:57
